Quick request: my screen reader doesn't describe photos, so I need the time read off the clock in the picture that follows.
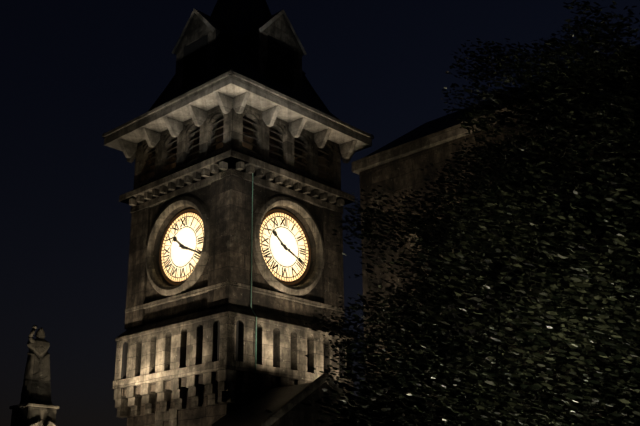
10:19
